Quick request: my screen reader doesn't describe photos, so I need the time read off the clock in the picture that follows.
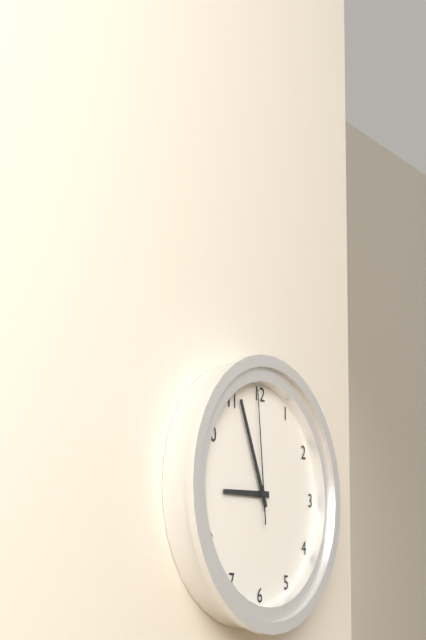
8:56:59
